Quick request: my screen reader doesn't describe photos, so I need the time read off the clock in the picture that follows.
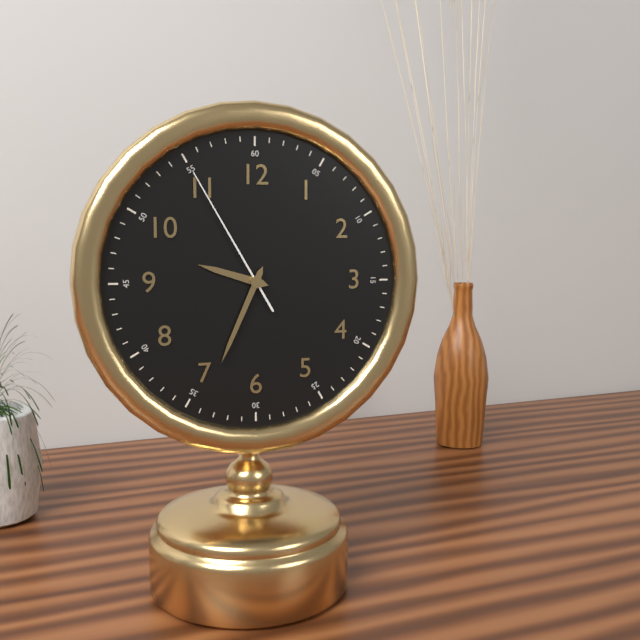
9:34:55
